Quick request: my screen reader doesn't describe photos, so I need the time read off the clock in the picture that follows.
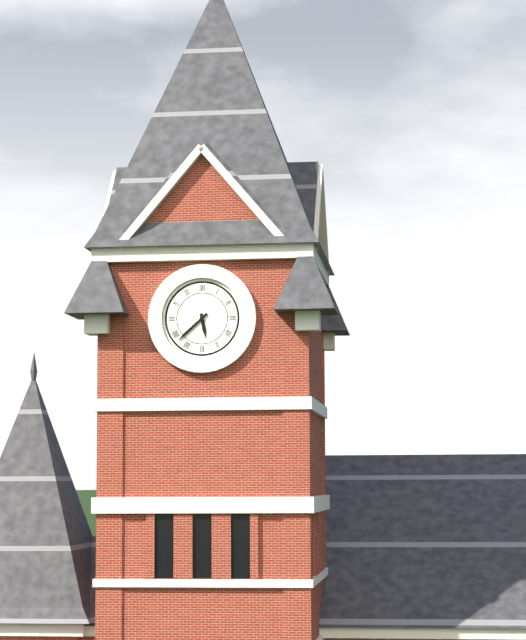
5:38
